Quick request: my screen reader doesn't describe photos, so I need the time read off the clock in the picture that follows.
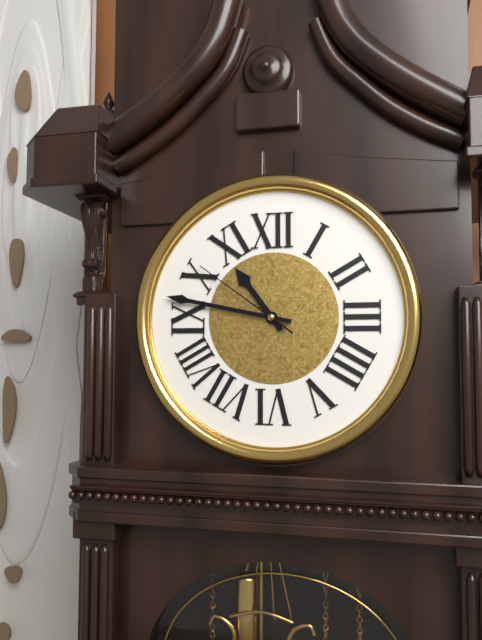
10:47:51
